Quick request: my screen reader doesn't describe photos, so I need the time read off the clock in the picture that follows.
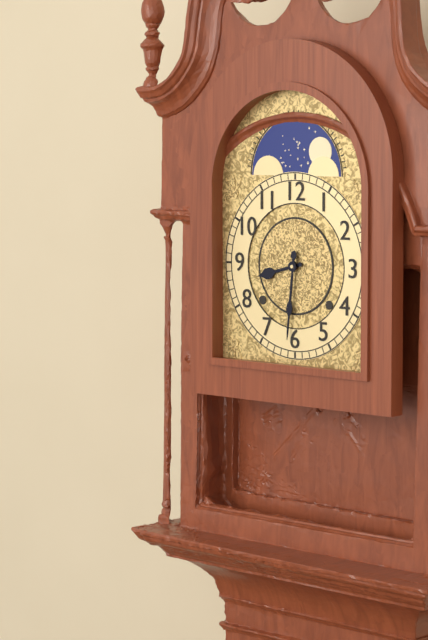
8:31
